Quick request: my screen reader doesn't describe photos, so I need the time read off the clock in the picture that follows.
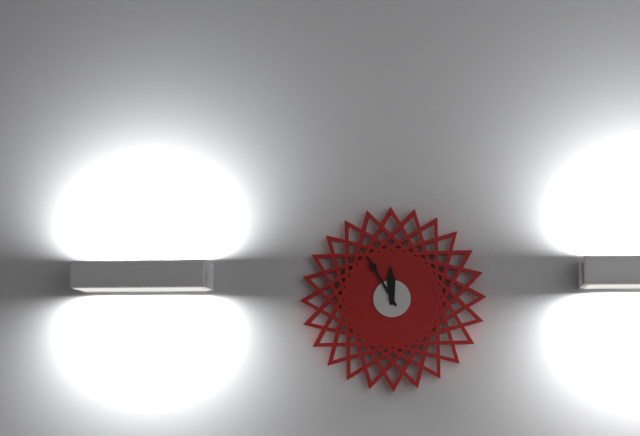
11:55
